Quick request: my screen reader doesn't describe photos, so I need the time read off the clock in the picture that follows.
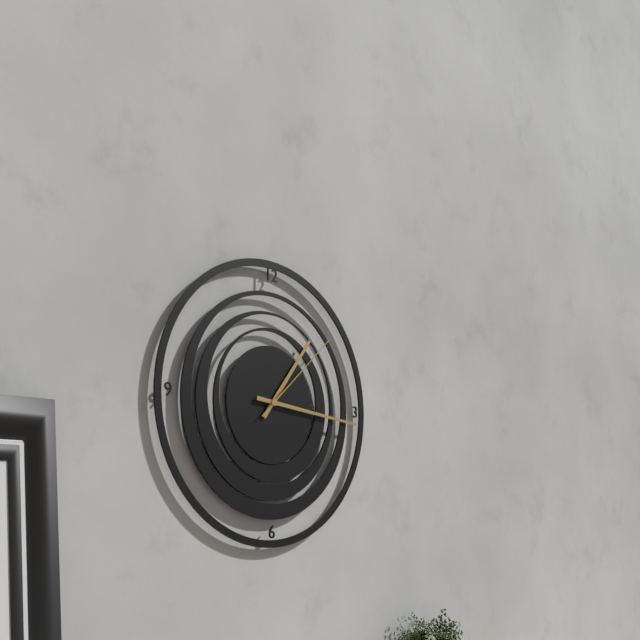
1:16:08
